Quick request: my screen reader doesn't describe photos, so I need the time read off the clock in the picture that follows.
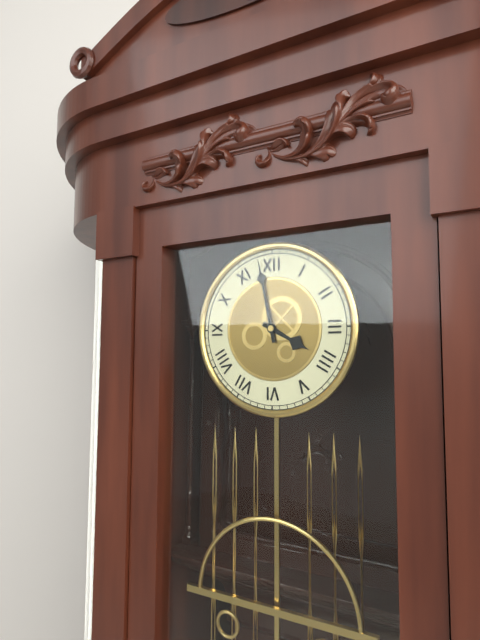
3:58
